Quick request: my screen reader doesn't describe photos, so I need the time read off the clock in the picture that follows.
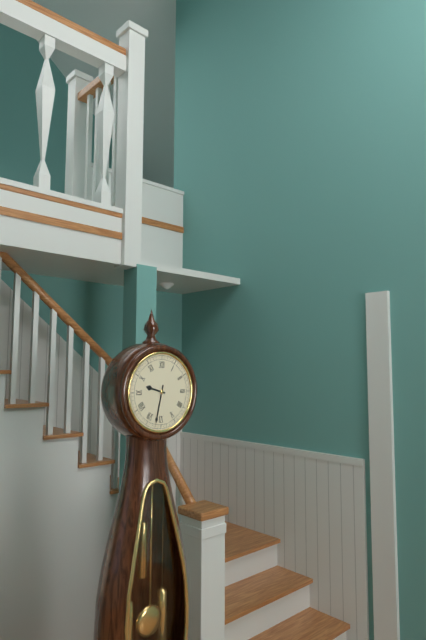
9:32
